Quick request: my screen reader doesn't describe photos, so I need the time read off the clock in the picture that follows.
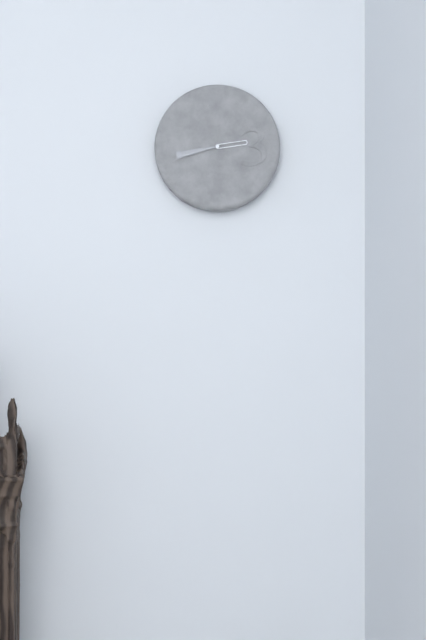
2:43
